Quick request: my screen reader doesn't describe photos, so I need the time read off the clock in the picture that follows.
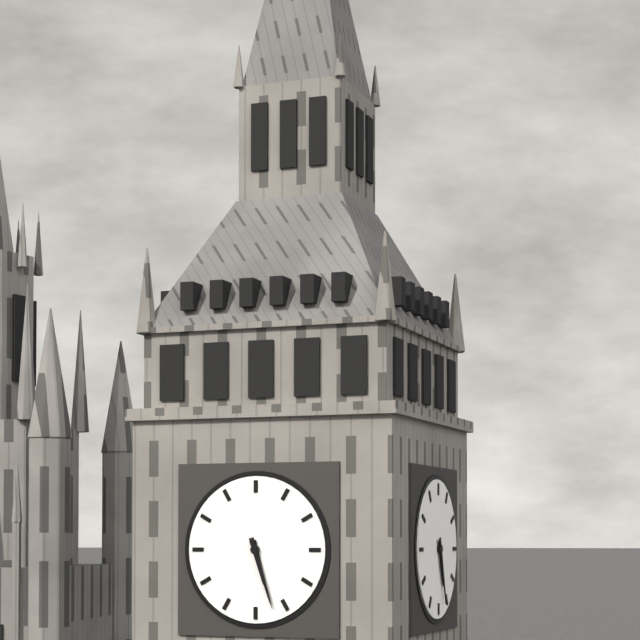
5:27
